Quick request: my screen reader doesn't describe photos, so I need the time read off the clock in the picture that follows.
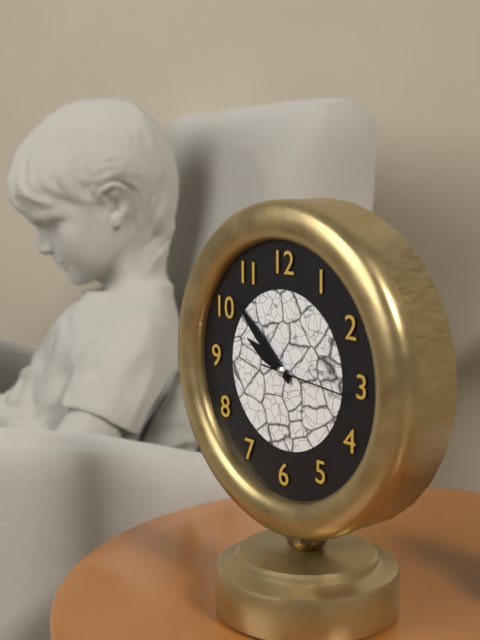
9:52:16
